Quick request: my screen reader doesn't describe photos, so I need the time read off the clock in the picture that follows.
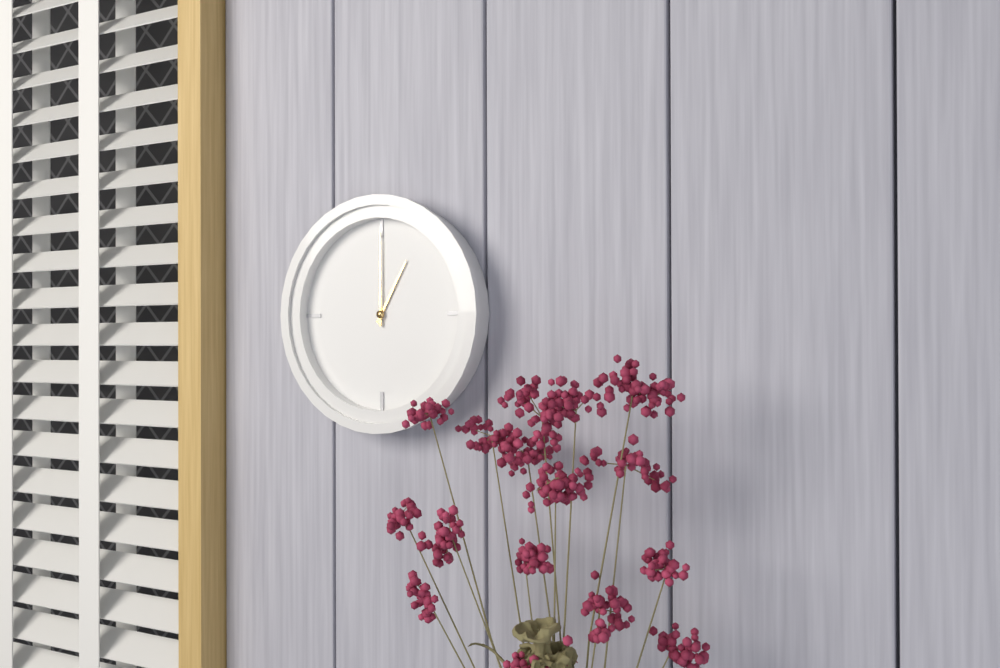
1:00
